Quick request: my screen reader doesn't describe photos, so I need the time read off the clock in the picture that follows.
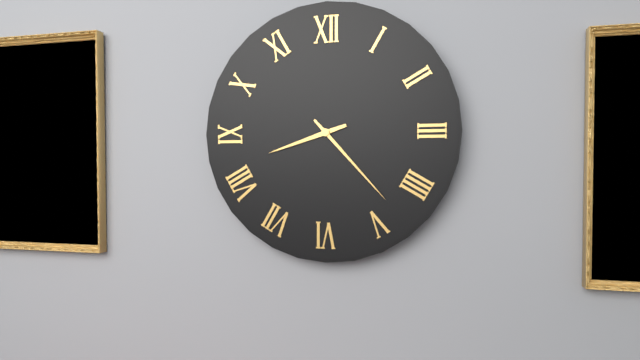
8:23
